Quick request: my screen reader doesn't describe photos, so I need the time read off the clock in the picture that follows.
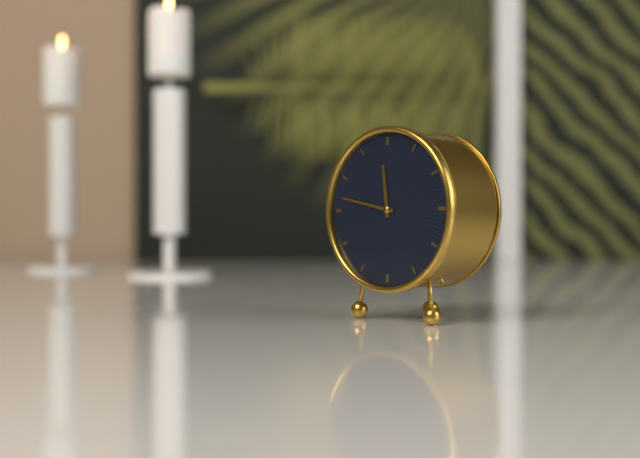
11:47
